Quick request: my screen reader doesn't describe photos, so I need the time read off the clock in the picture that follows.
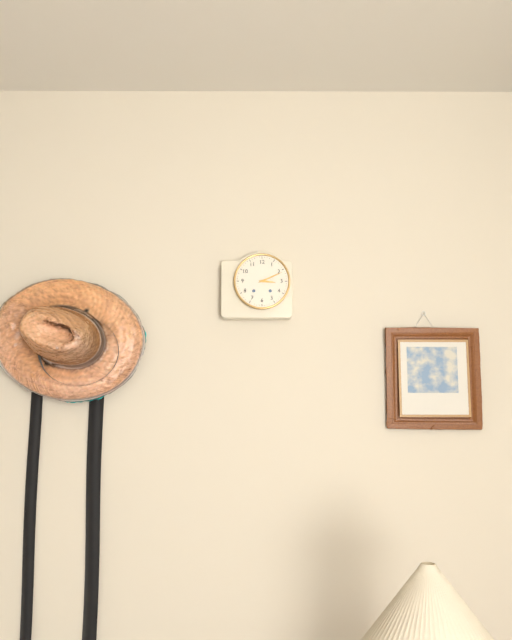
3:11
